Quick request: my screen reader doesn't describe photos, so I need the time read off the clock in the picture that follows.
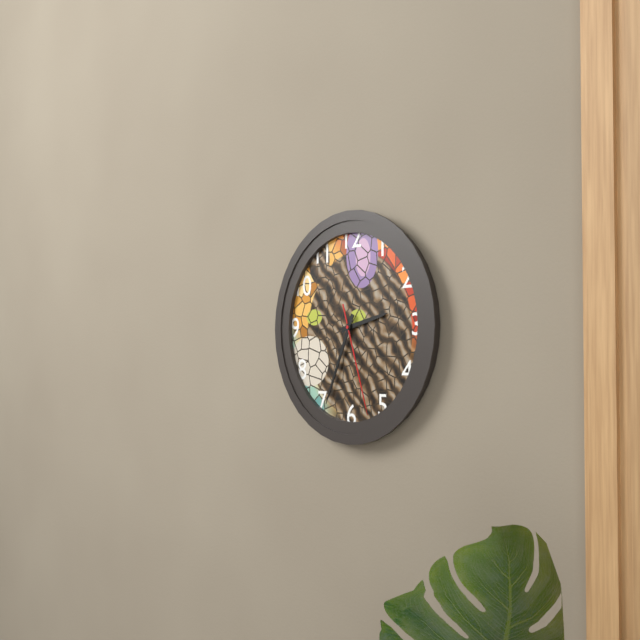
2:34:27
